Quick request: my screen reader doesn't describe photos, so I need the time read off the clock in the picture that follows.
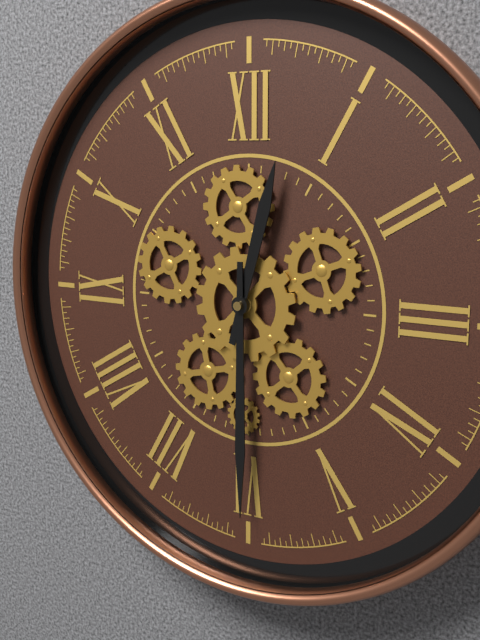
12:30
